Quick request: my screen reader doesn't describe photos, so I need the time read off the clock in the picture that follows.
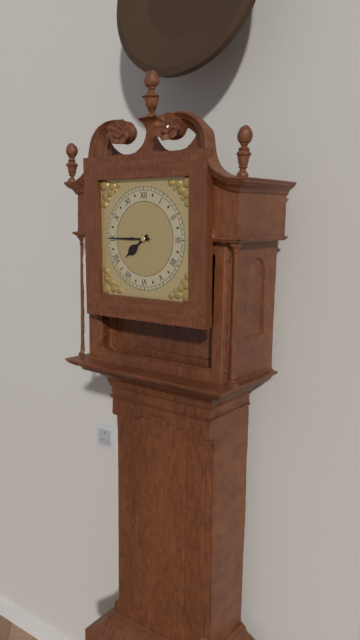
7:45
